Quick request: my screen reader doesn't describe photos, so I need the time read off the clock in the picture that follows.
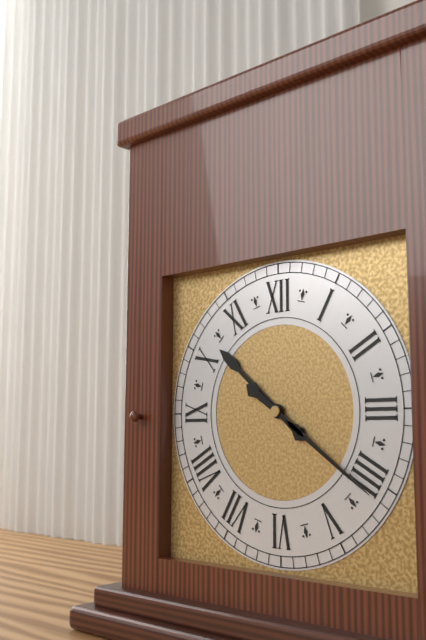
10:21
